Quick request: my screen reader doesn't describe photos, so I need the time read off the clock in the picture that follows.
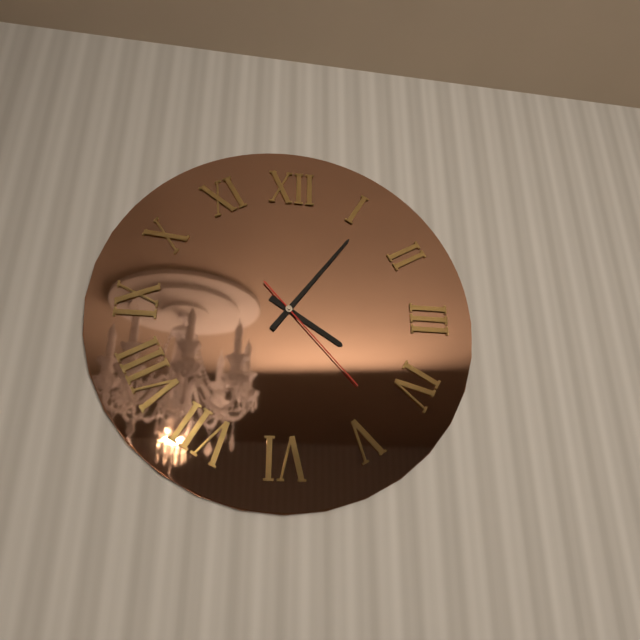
4:06:23
